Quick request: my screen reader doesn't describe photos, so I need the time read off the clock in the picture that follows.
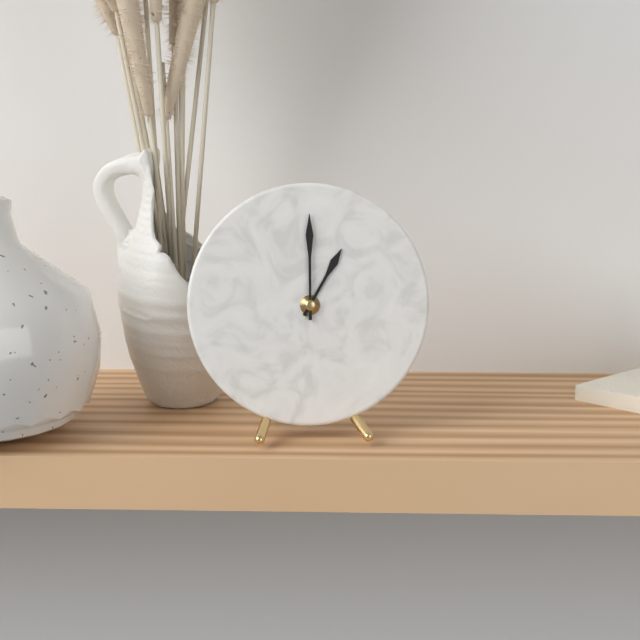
1:00
